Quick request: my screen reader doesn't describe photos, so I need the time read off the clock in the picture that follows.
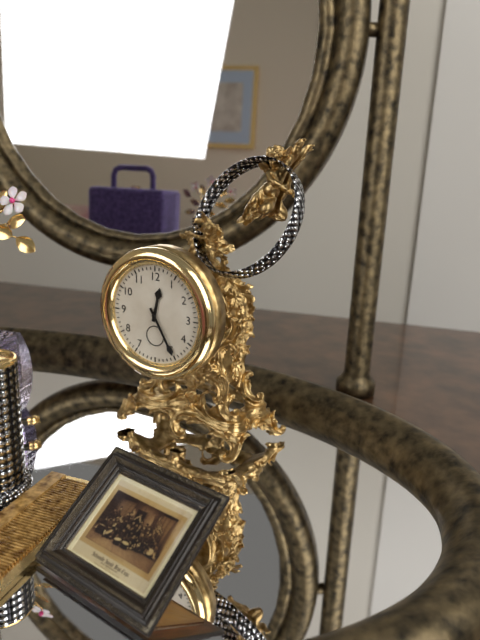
12:25
